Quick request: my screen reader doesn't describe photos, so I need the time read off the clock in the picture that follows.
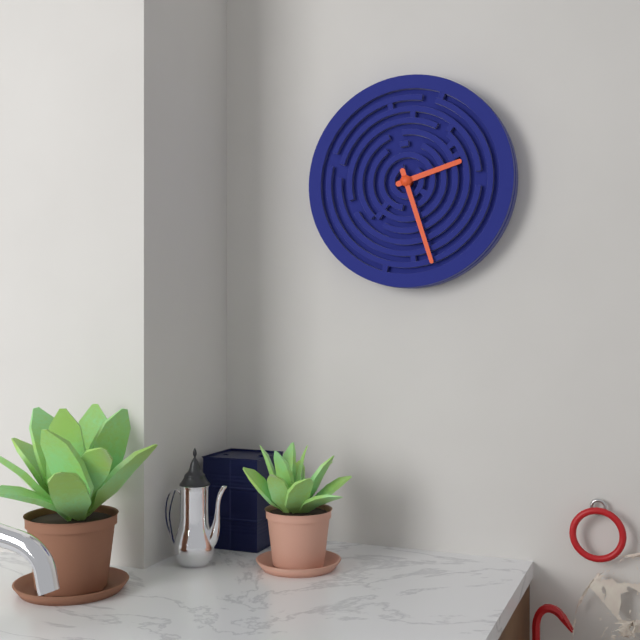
2:27
